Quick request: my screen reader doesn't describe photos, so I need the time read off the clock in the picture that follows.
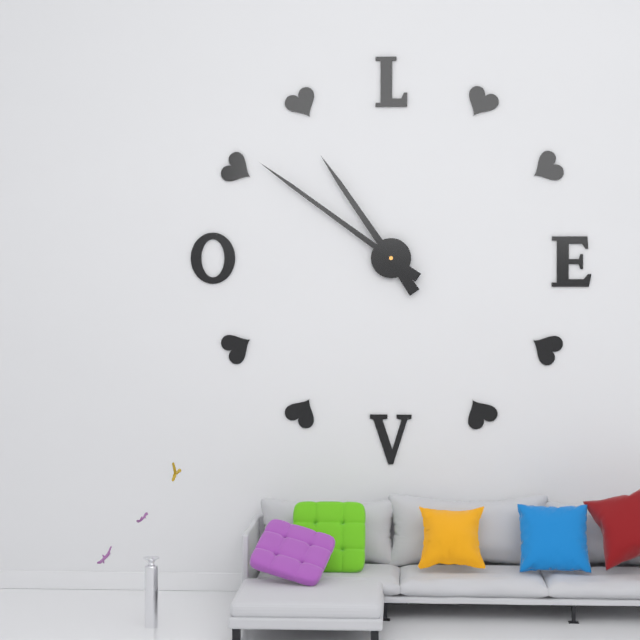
10:51
